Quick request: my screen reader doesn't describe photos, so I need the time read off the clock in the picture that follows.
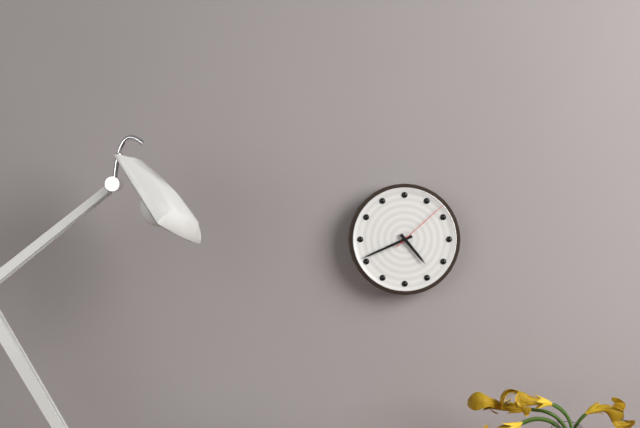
4:41:08
